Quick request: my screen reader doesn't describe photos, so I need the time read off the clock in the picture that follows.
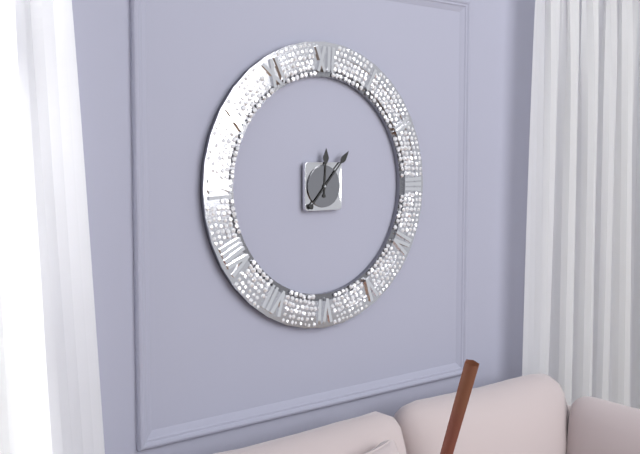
12:07
